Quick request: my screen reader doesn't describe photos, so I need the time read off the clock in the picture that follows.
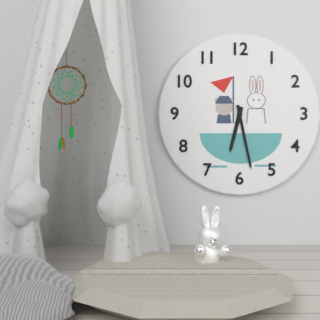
6:28
